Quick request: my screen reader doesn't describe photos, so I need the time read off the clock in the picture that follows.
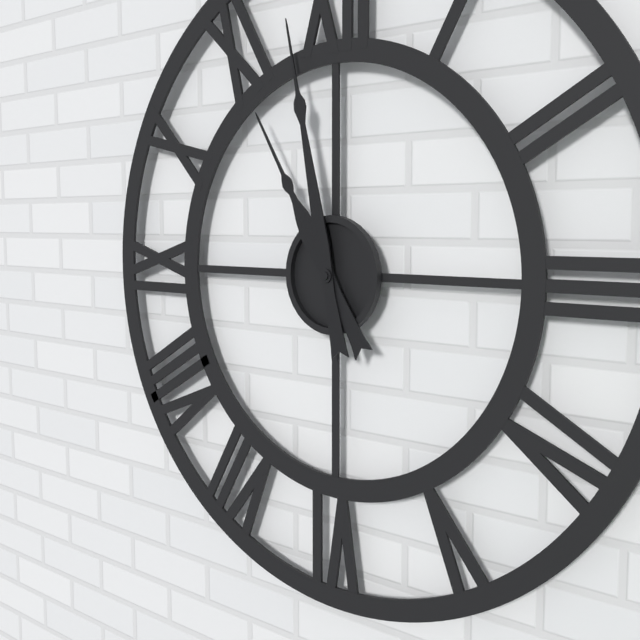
10:58
